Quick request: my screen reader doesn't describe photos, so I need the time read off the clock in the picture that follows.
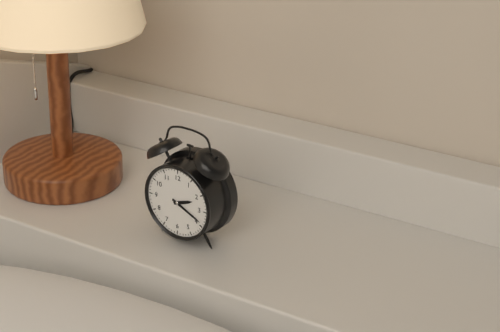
2:19
